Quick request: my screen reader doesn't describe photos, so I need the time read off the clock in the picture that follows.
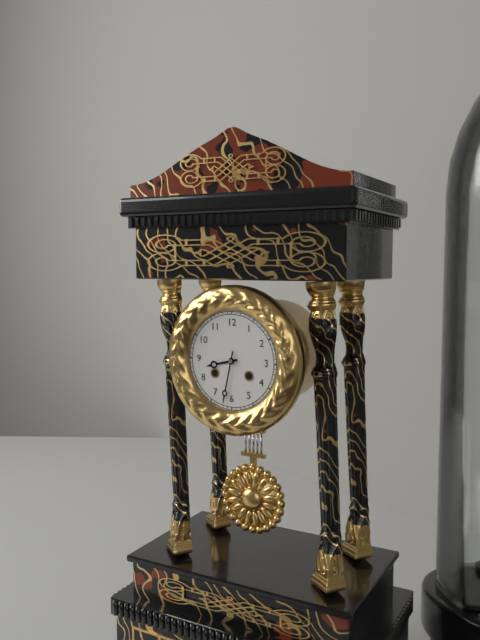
8:32
